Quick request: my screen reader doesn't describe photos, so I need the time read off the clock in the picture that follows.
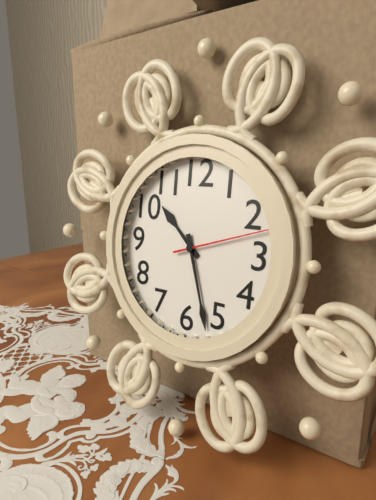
10:27:12
